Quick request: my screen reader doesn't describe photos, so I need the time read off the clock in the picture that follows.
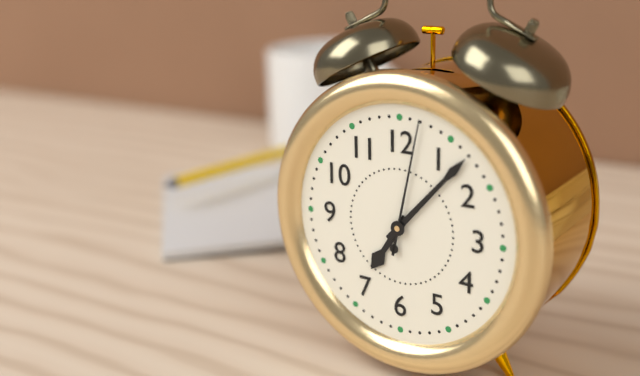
7:07:02
